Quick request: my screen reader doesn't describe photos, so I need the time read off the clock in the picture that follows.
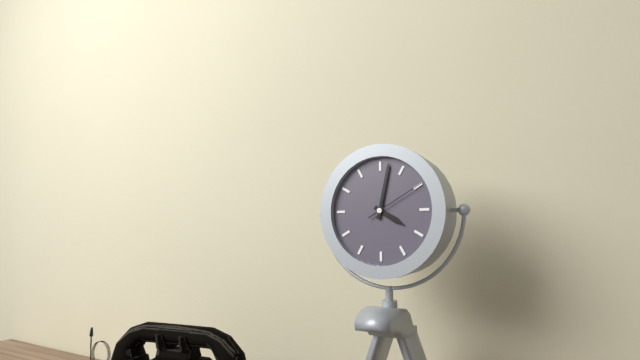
4:02:10
